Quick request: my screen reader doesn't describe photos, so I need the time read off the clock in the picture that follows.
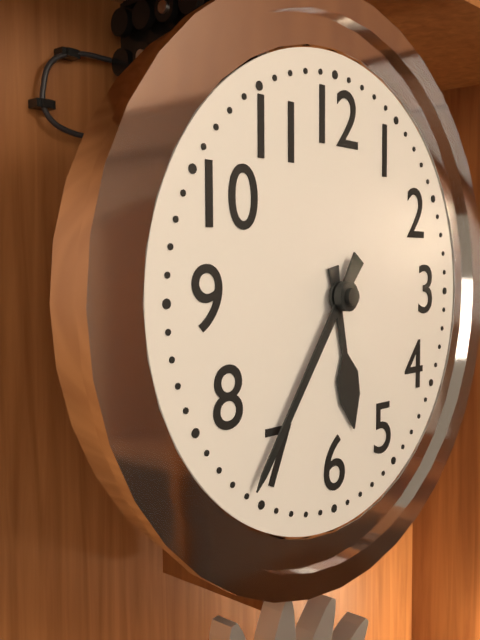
5:36
